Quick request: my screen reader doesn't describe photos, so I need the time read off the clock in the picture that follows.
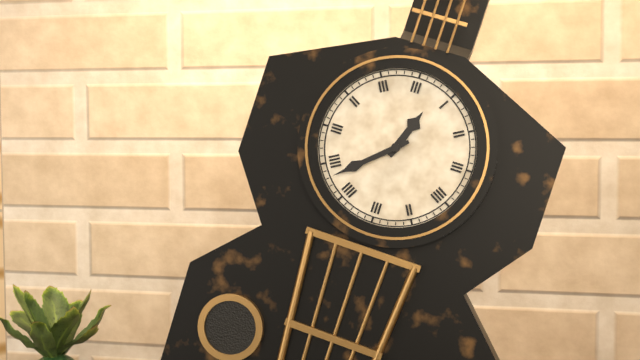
12:38
